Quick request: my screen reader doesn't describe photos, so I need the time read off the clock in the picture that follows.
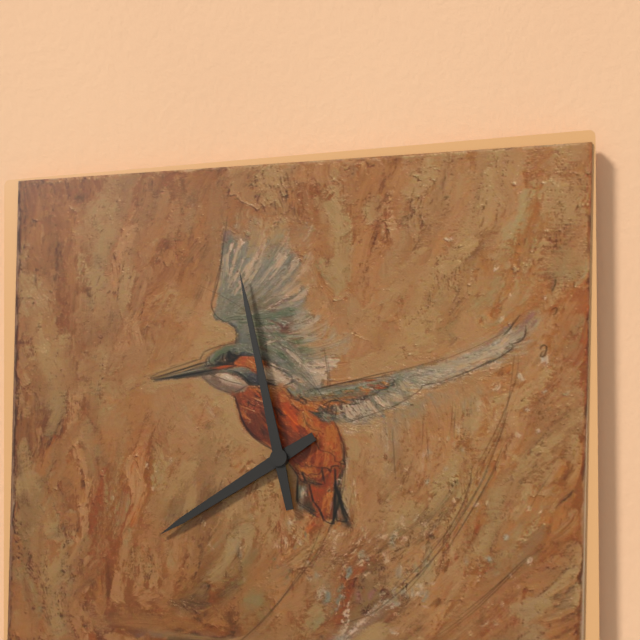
7:58
